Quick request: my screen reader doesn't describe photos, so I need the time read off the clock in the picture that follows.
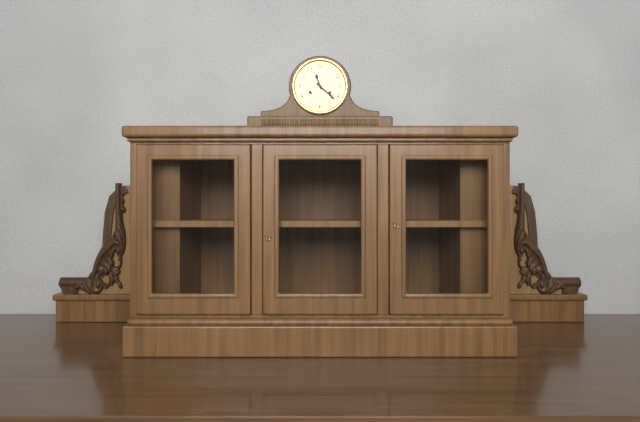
11:22
